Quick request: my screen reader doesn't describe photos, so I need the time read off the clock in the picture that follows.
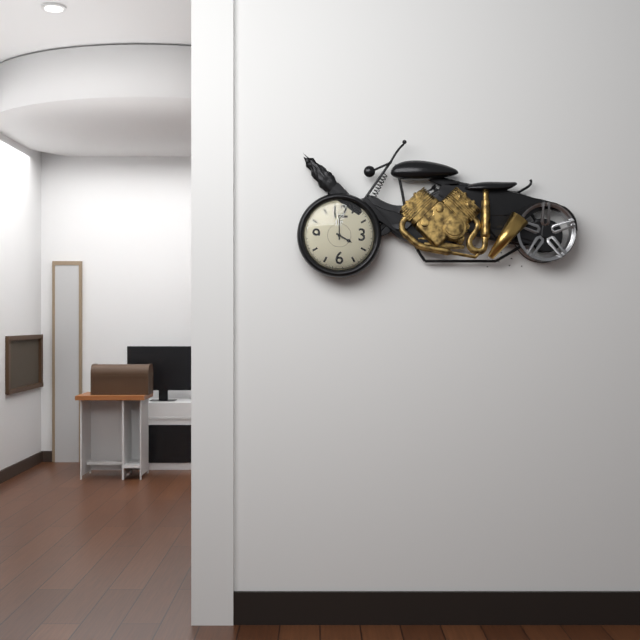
4:00
